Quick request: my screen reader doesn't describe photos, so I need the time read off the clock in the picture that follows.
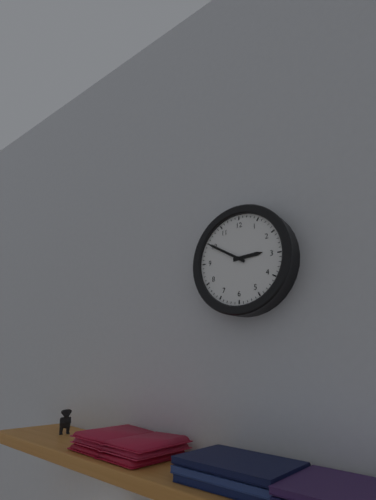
2:50
